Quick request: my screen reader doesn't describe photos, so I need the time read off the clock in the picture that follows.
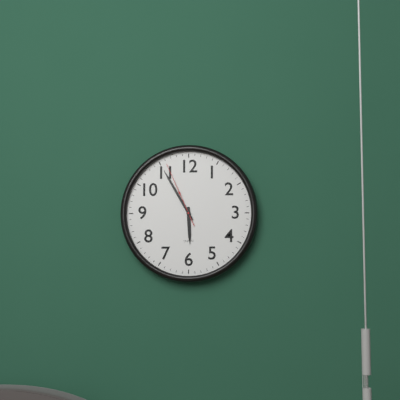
5:55:56
